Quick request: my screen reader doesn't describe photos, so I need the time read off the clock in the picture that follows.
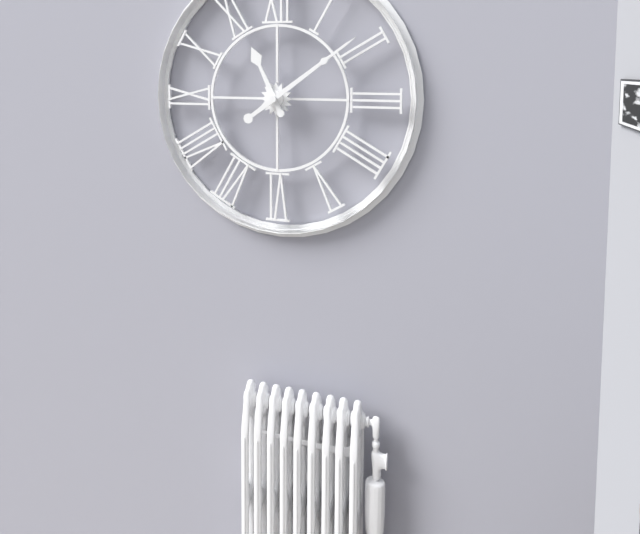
11:09
